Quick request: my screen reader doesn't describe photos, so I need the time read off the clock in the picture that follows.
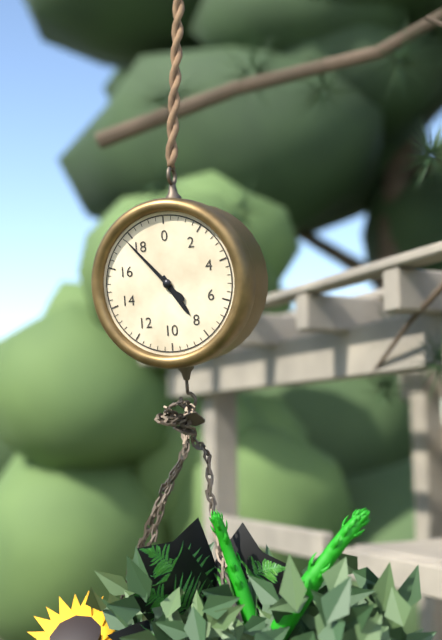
4:53
